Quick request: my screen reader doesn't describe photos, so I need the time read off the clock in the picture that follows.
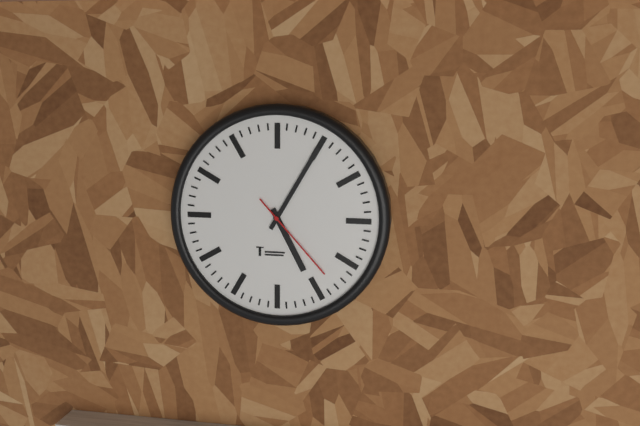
5:05:23
